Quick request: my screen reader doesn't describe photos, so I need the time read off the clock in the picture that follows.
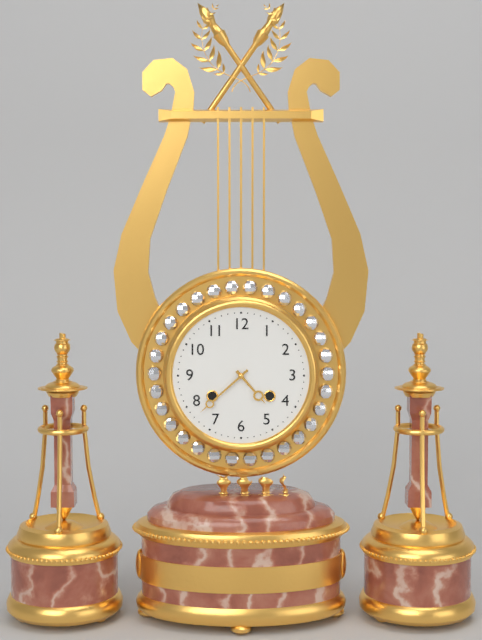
4:38
